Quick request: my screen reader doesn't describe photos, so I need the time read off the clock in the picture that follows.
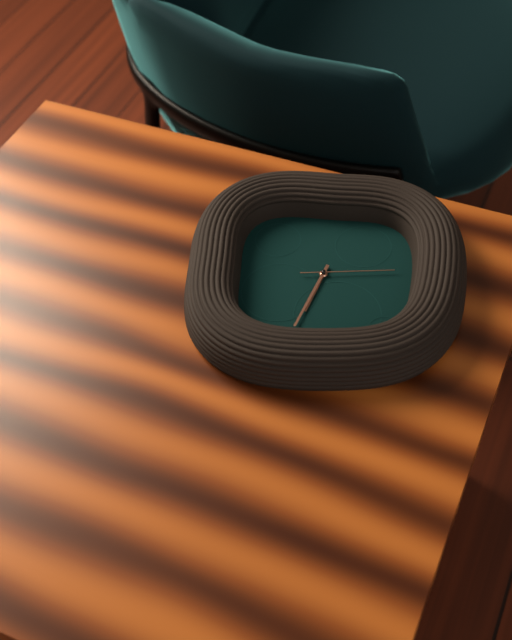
6:33:14
